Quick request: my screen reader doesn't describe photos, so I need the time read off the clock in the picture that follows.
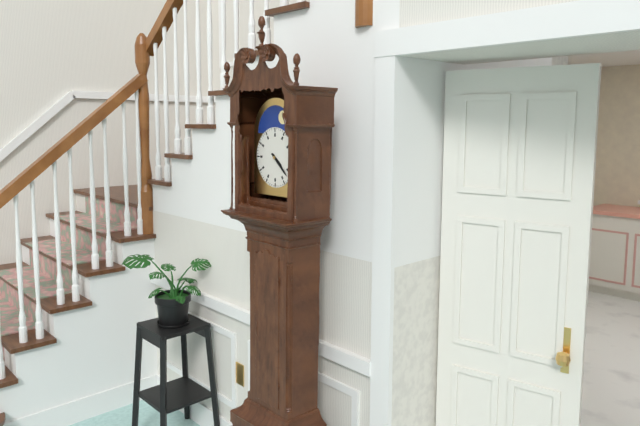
4:22
